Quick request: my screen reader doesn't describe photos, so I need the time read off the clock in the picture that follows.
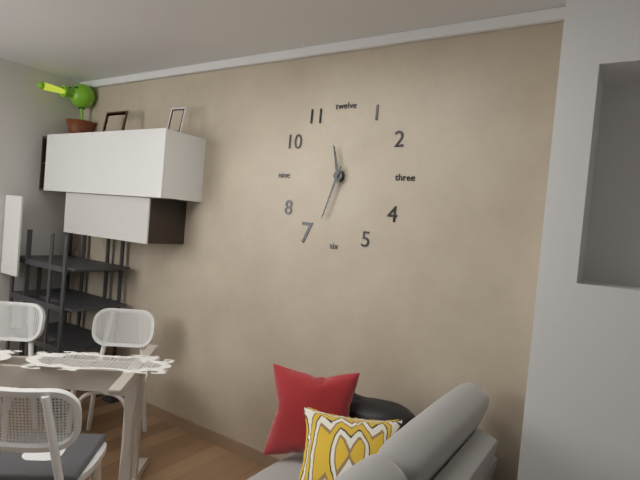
11:33
